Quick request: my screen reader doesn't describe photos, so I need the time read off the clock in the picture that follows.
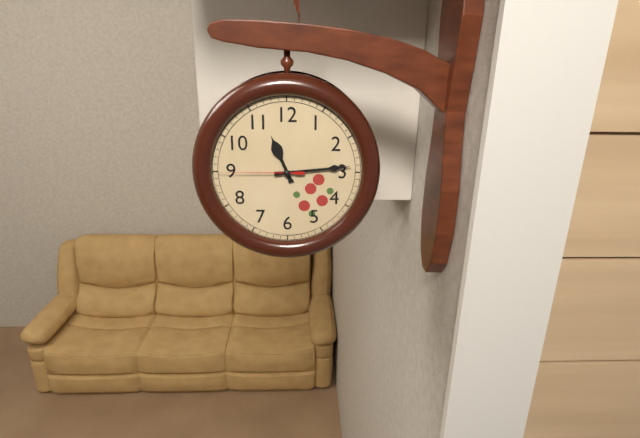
11:14:45
